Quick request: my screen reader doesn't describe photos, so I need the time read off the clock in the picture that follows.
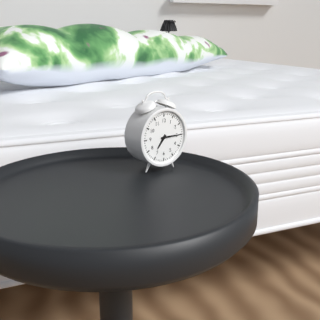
7:15
